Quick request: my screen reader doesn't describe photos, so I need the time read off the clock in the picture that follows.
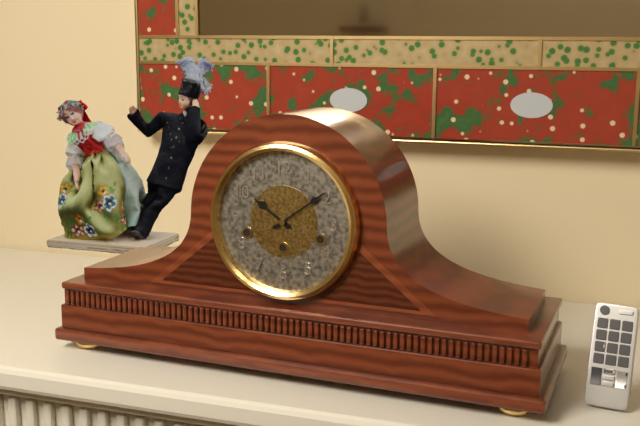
10:09
